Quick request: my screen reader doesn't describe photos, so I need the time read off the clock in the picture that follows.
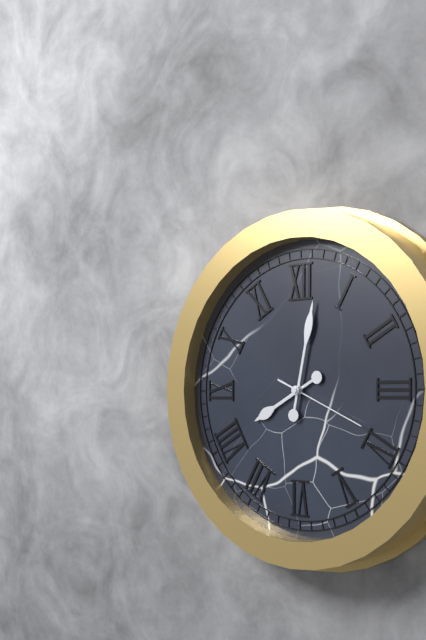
8:02:19
